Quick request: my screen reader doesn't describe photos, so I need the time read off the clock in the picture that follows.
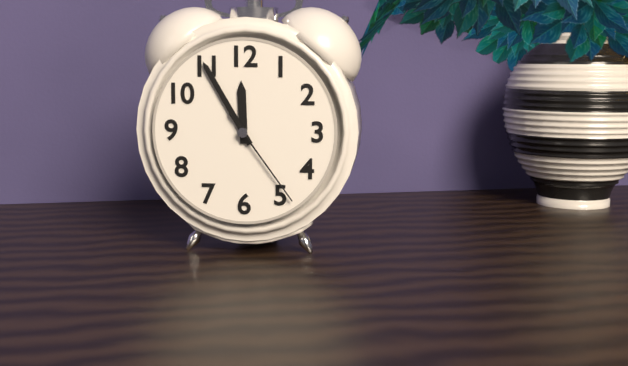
11:55:24
